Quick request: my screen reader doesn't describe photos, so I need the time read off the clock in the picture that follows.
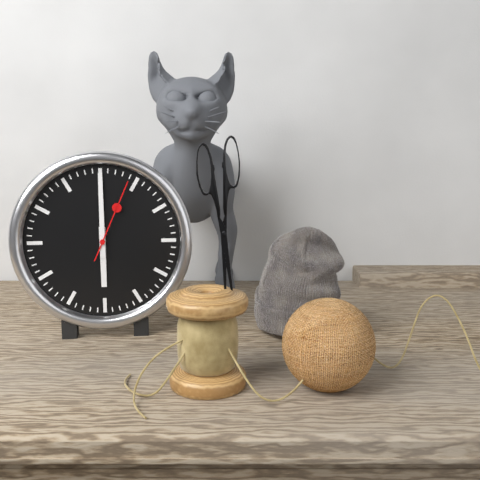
6:00:04
